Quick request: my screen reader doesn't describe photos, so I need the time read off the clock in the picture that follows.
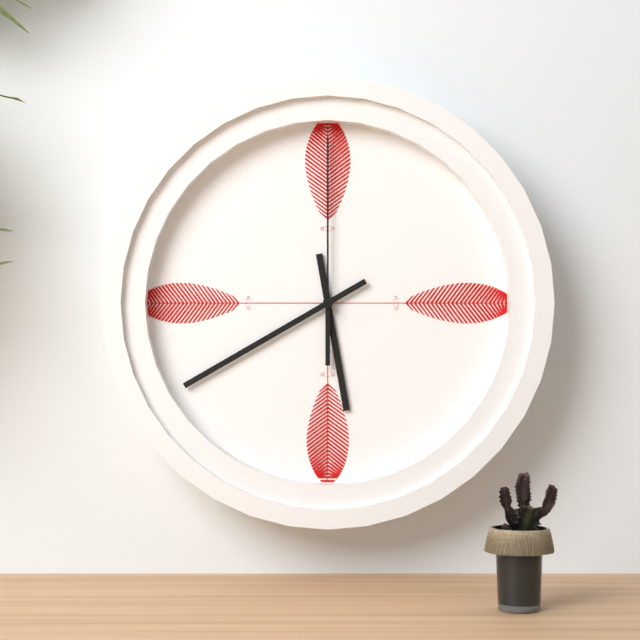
5:40:00
